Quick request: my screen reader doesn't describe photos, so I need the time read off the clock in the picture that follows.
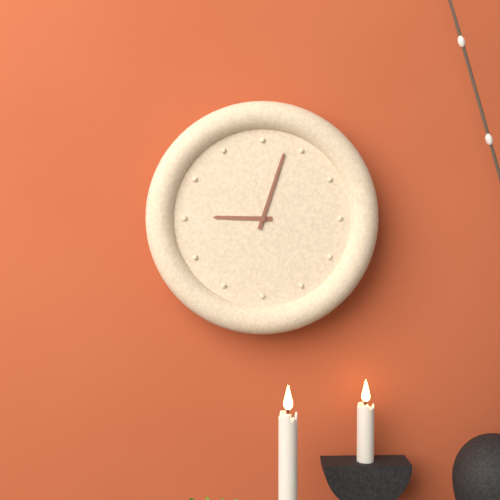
9:03
